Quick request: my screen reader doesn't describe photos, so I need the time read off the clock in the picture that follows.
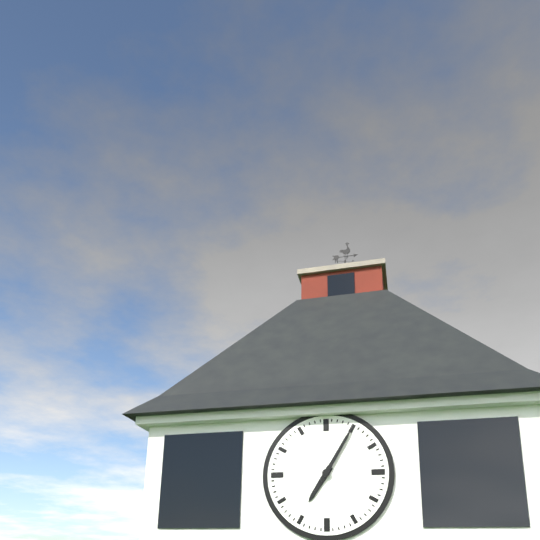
7:05
